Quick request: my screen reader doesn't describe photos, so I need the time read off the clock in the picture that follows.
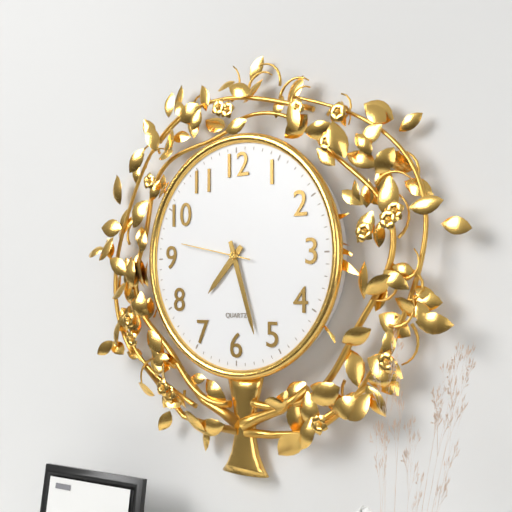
7:27:47
